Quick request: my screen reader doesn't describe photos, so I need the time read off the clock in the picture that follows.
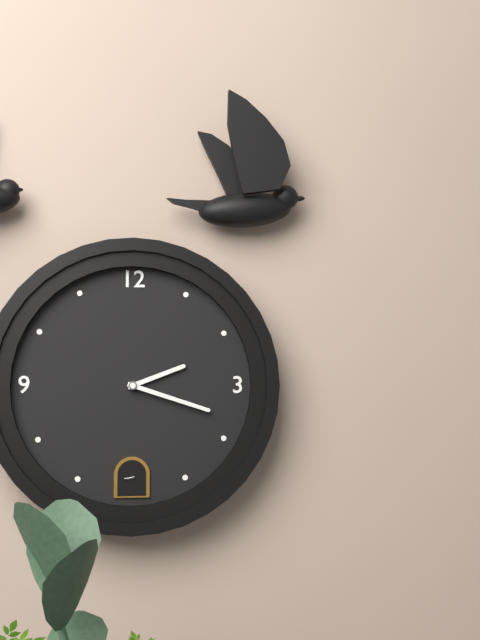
2:18
